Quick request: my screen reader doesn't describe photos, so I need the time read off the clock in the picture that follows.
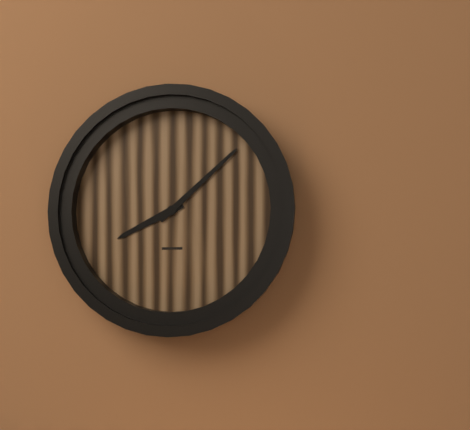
8:08
